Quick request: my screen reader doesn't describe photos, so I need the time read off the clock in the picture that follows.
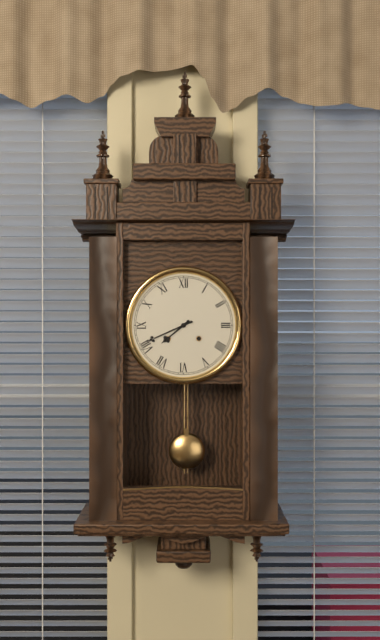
7:41
